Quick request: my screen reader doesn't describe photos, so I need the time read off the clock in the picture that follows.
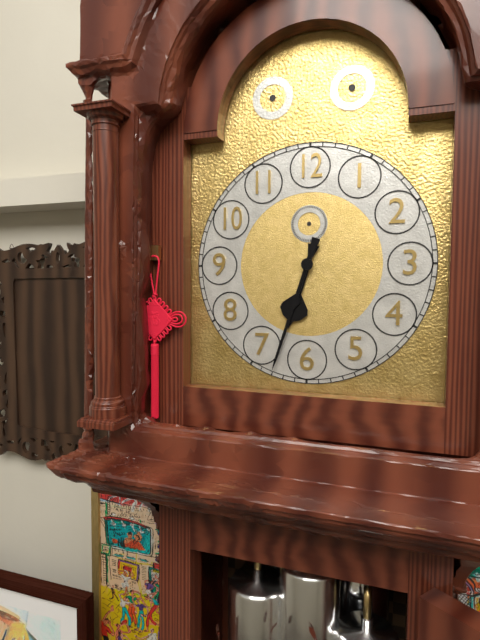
6:33
